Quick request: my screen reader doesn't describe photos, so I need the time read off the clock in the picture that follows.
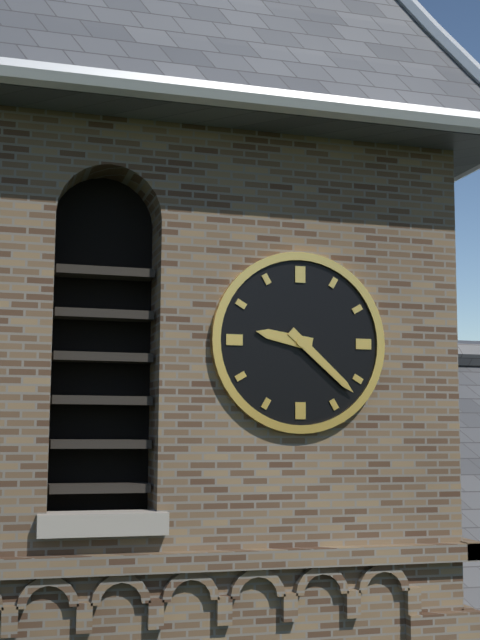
9:22
